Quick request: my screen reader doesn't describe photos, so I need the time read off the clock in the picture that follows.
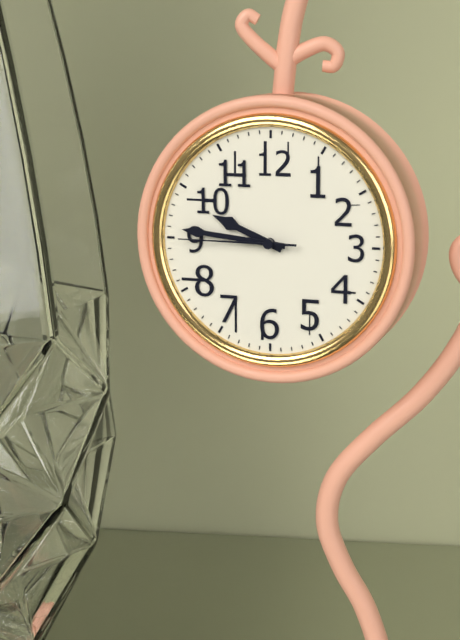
9:46:45
